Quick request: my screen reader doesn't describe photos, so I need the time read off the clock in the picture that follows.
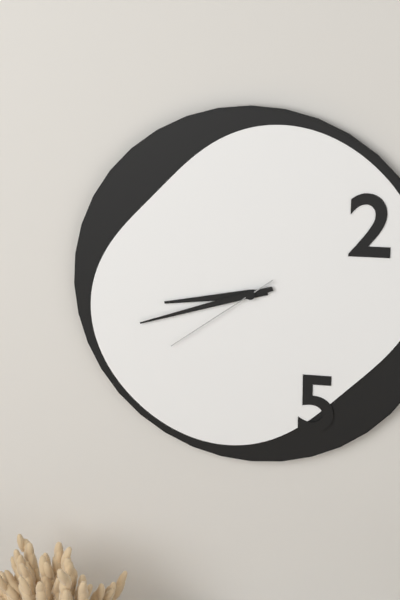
8:42:39
